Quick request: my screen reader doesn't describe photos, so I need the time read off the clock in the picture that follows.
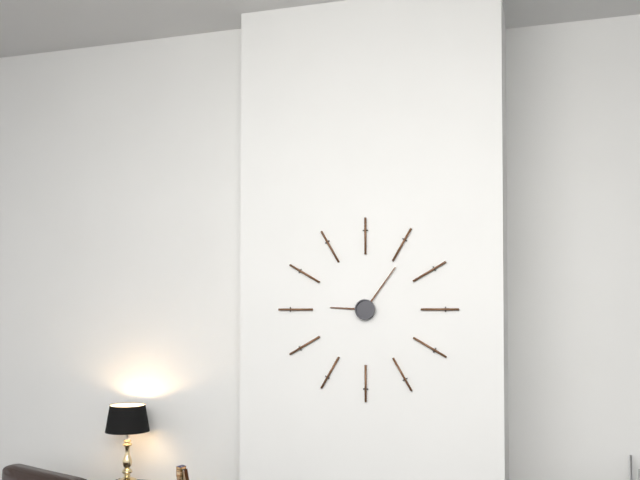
9:06
